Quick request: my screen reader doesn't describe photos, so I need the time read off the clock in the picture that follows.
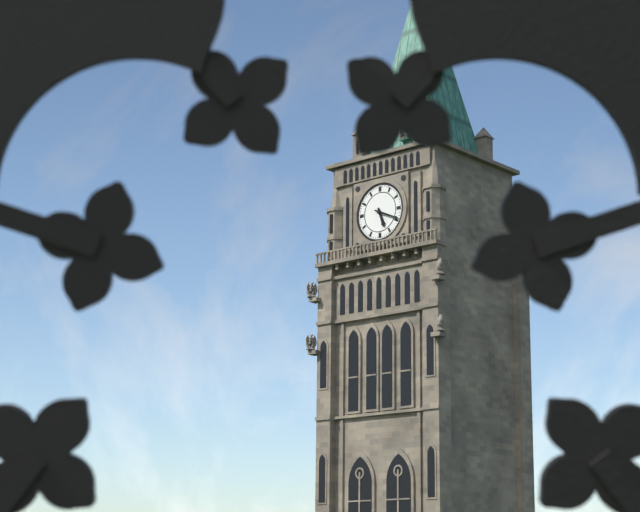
5:19
